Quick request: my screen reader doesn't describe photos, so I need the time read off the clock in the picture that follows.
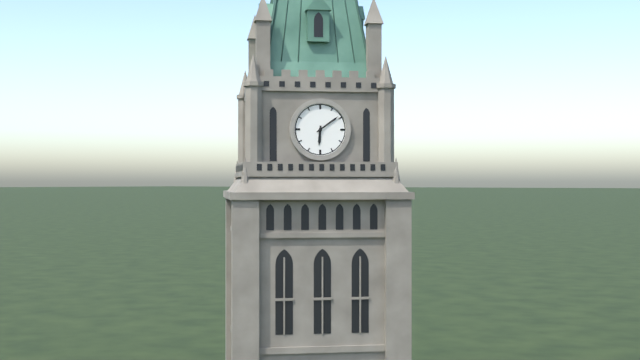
6:09
